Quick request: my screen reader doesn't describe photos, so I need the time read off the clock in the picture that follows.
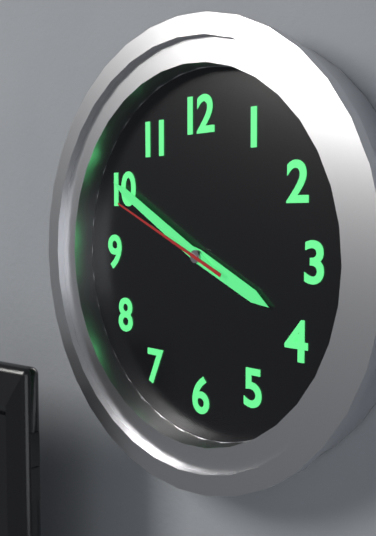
3:50:49
